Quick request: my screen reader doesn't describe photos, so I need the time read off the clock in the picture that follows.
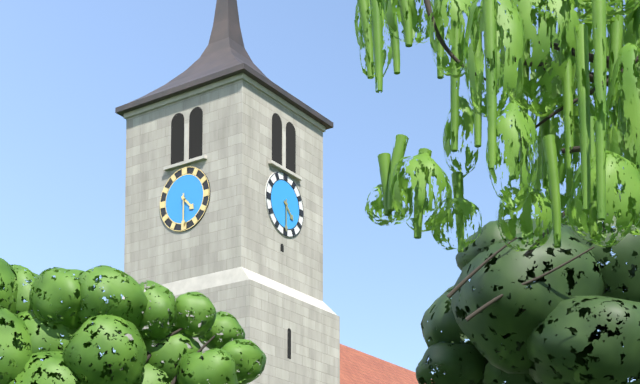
4:30
